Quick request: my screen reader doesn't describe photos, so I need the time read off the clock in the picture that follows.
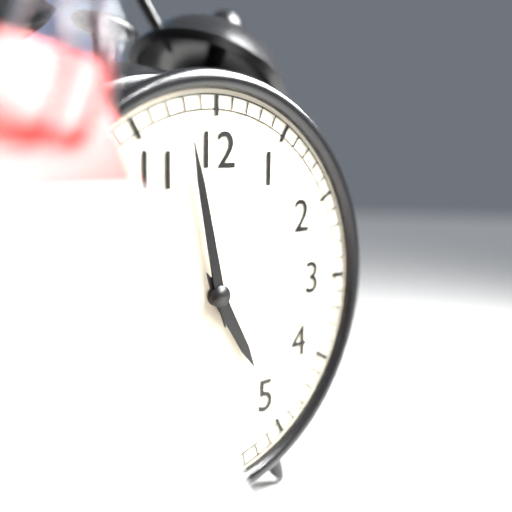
4:58
